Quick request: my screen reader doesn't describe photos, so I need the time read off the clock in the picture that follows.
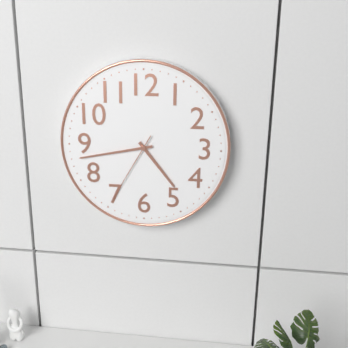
4:43:35
